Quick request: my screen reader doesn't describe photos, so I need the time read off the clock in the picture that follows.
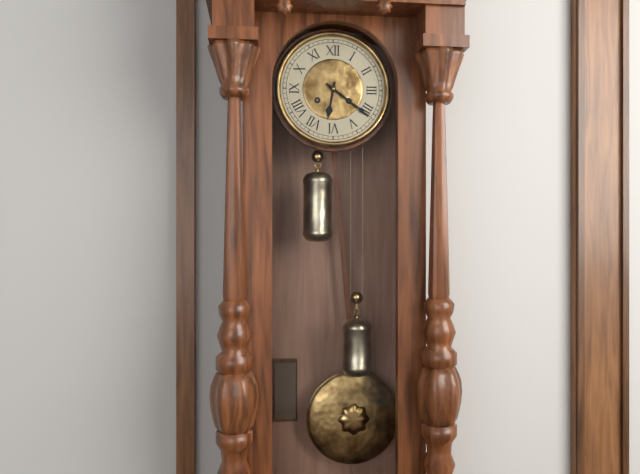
6:21
